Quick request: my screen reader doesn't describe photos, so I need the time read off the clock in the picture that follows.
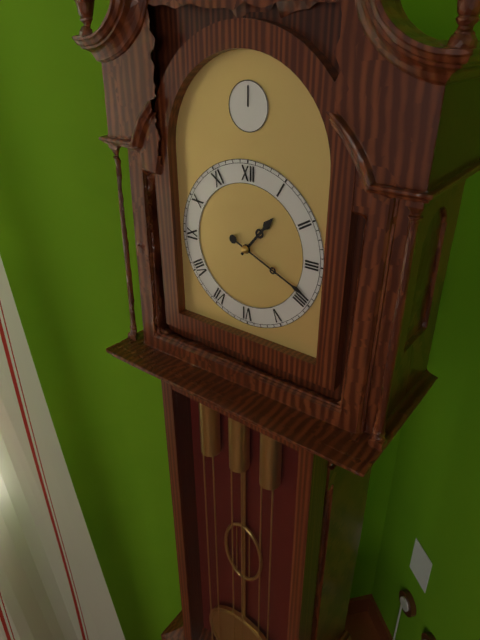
1:19
